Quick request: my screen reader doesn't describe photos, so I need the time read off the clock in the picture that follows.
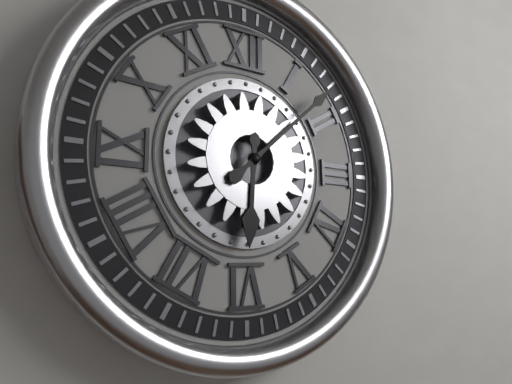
6:08
